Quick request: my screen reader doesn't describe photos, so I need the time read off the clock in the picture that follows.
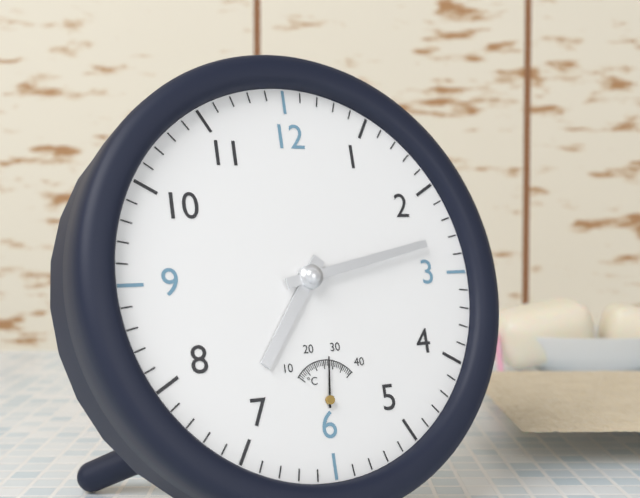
7:13
